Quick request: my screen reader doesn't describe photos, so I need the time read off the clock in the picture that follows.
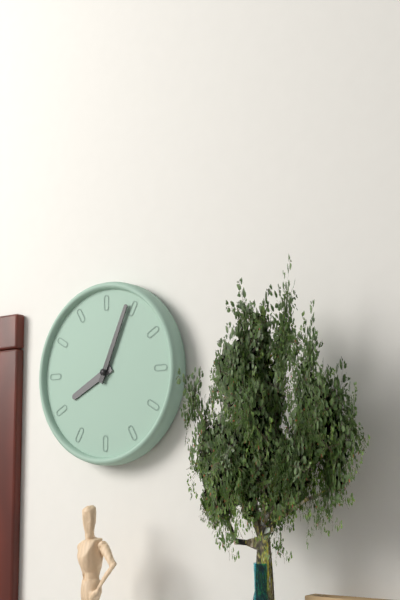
8:04
